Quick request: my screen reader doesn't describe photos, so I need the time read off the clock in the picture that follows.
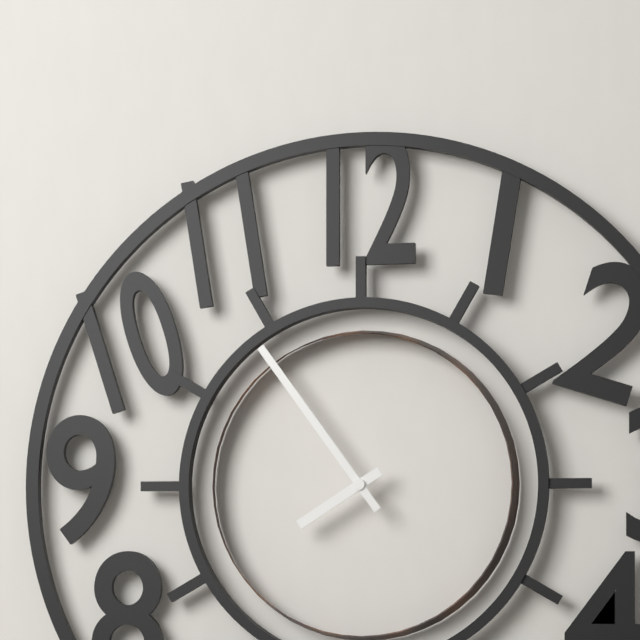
7:54
